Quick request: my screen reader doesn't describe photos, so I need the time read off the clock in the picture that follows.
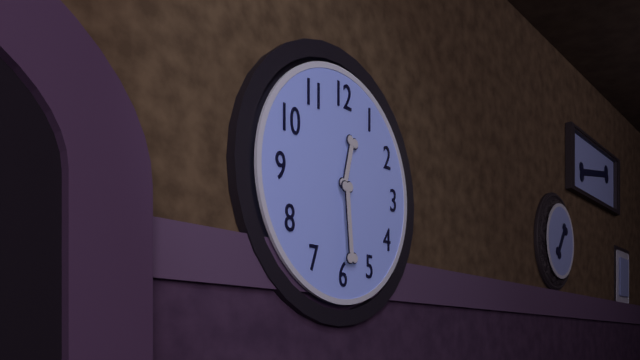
12:29
